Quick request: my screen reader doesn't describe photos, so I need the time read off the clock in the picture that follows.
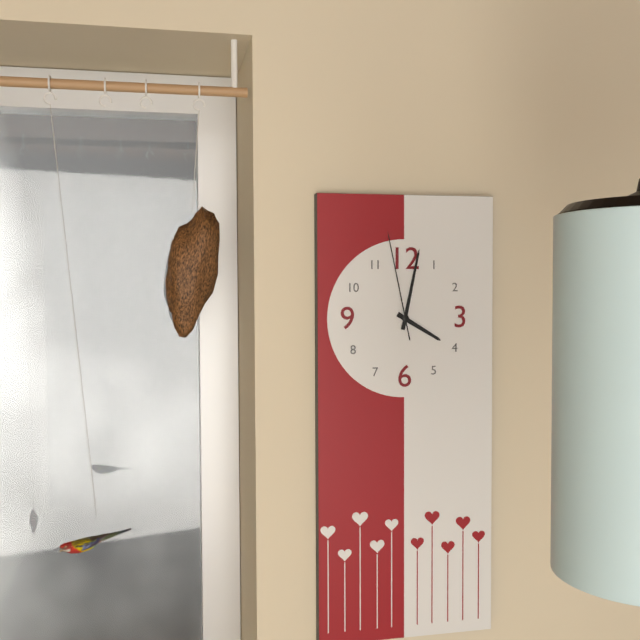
4:02:58
